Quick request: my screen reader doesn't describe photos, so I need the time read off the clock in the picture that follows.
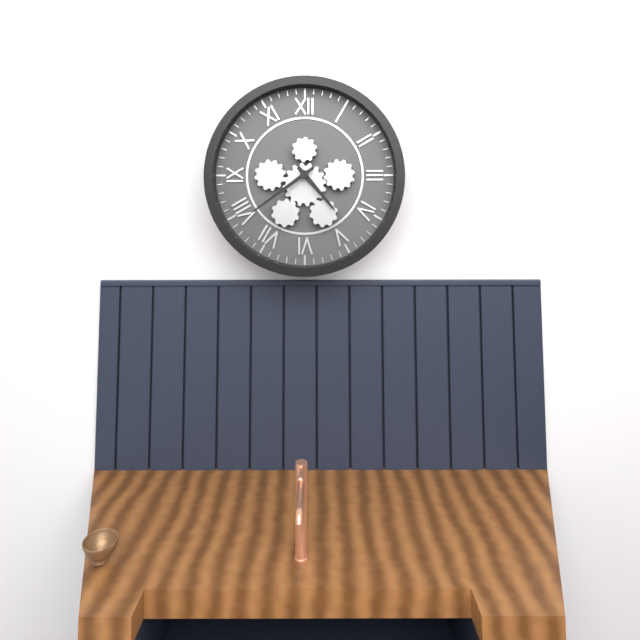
4:39
